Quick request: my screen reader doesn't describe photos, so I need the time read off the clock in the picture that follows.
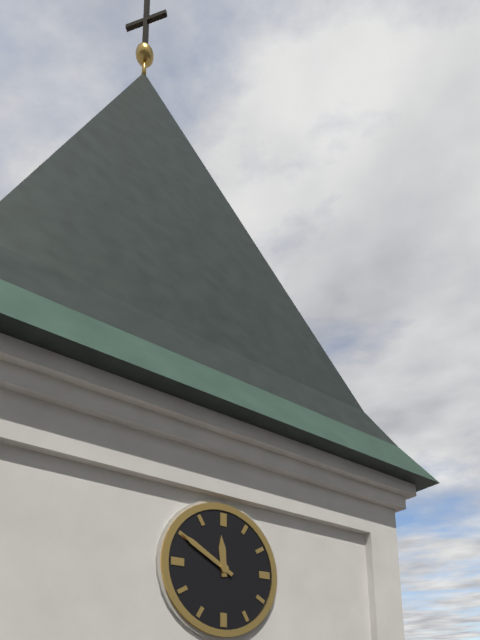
11:50
